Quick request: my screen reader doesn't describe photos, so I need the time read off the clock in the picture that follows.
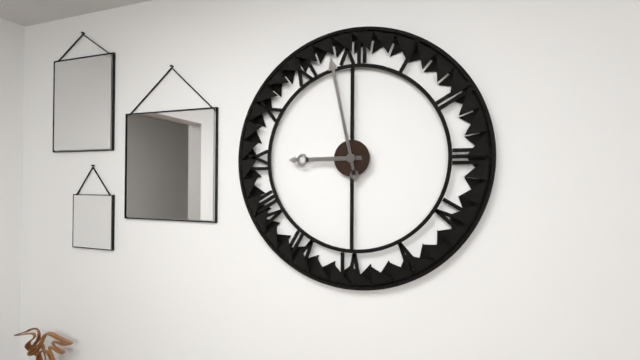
8:58
